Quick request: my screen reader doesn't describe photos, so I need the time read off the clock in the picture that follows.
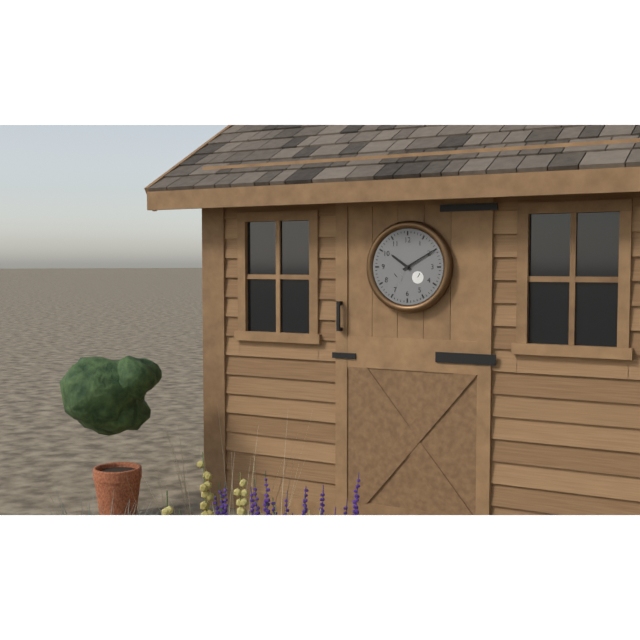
10:10
